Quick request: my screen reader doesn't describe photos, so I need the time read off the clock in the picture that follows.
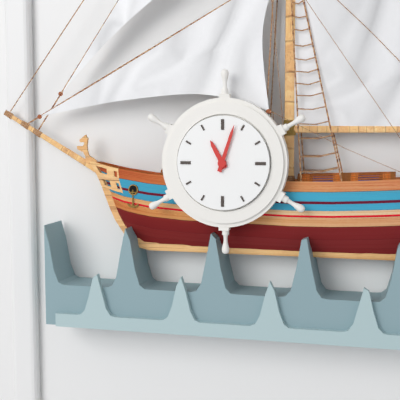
11:03
